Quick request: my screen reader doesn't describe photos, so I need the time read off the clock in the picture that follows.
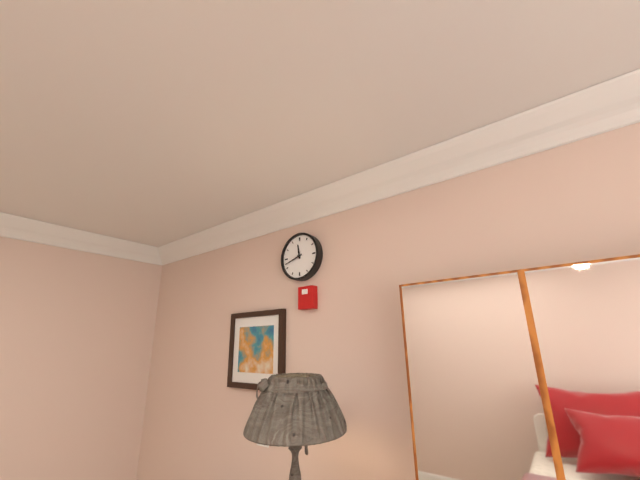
11:42
